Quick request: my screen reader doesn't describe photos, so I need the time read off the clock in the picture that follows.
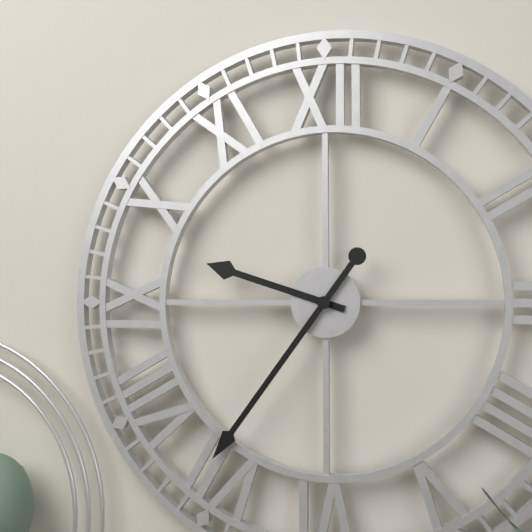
9:36
